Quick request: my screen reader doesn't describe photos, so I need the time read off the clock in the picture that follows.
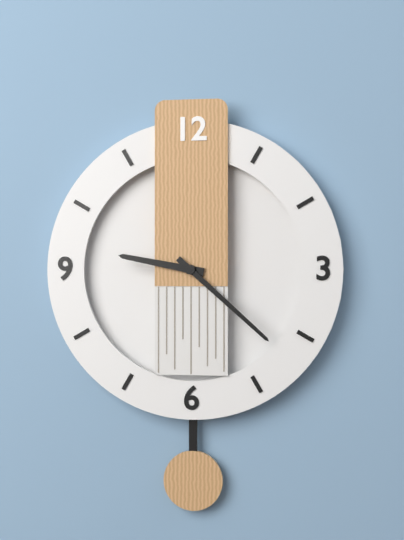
9:22
